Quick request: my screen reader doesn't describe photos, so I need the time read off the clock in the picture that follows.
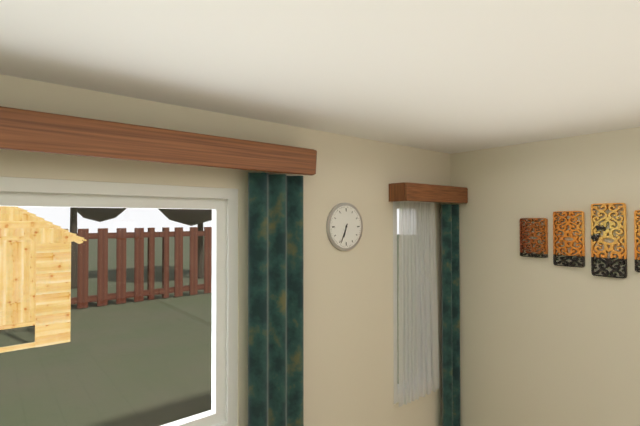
6:34
